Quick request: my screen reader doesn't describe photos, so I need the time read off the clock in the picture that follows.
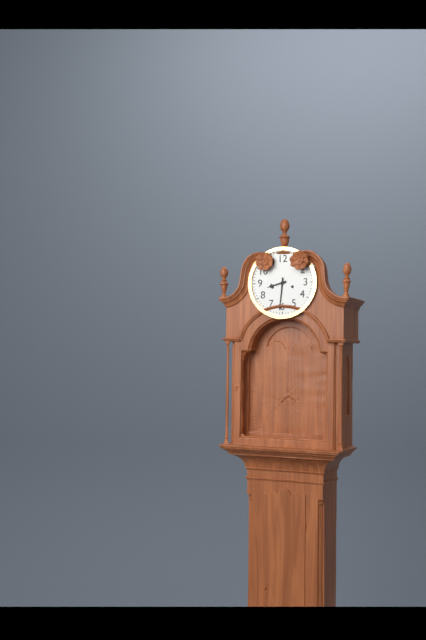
8:31
